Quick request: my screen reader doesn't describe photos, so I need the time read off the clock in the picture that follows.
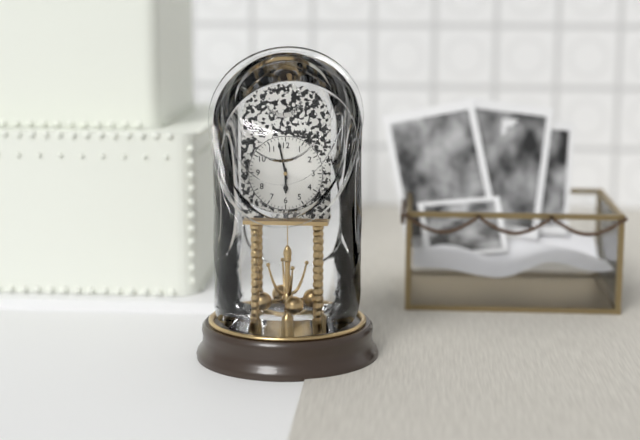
5:58
